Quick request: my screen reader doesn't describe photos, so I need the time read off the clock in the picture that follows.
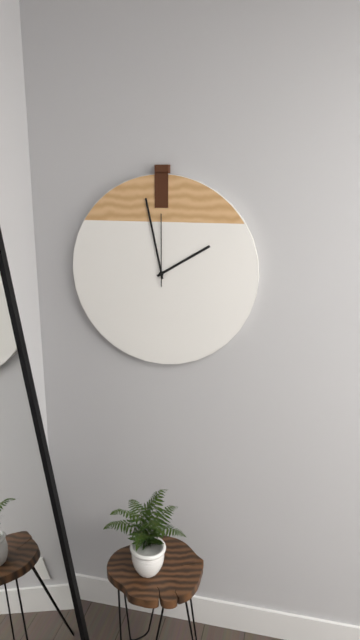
1:58:00
